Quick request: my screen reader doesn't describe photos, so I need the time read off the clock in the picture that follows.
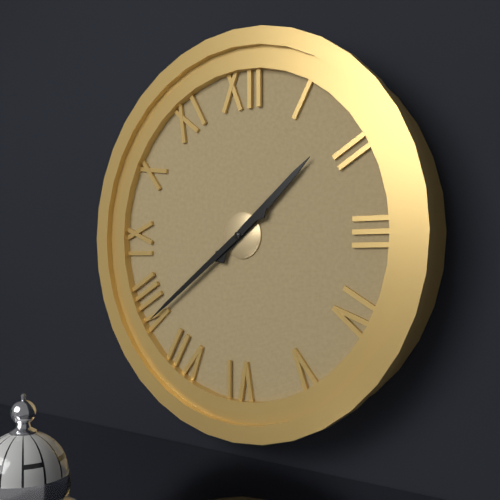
1:39
